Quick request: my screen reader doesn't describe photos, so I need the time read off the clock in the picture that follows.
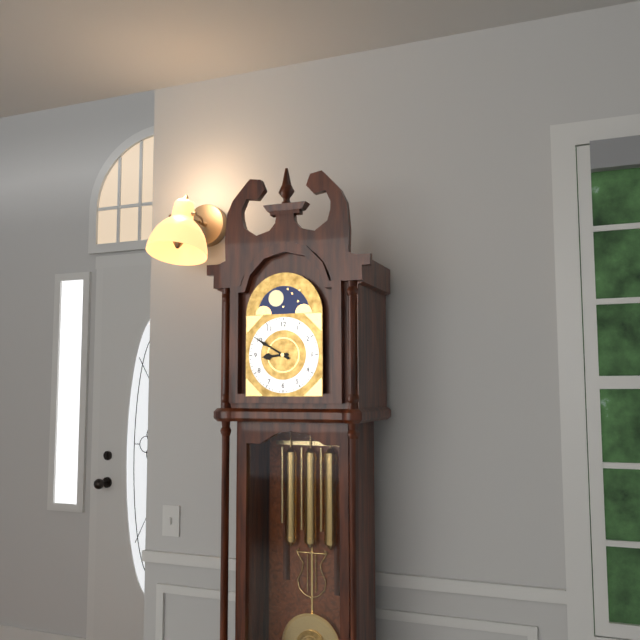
8:50
